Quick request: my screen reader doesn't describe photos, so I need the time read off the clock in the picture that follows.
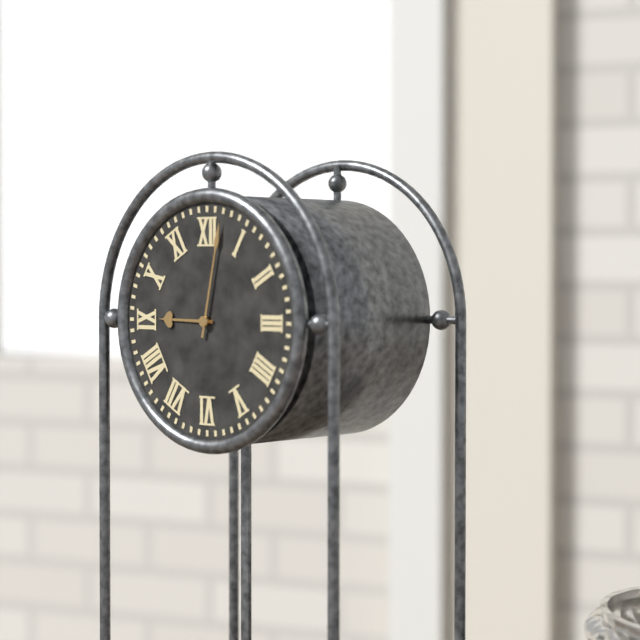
9:02
